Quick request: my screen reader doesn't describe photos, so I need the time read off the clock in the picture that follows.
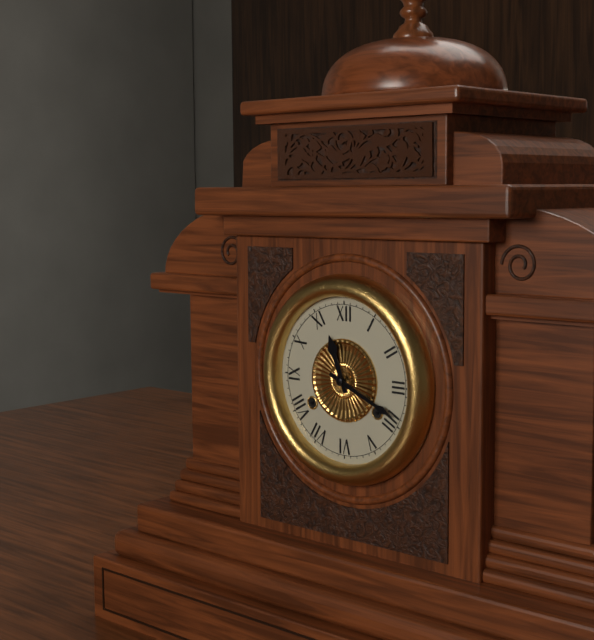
11:19
